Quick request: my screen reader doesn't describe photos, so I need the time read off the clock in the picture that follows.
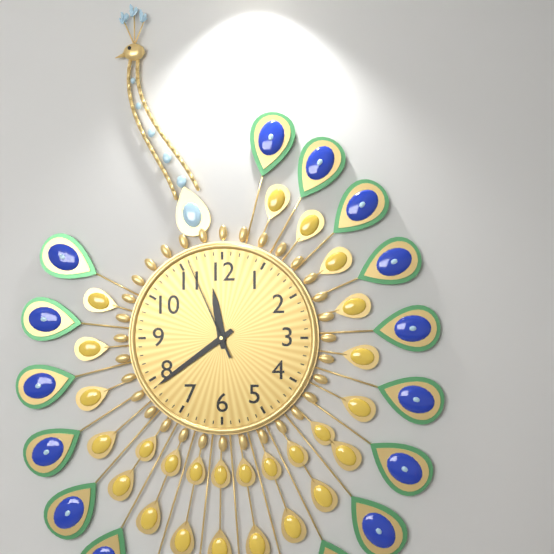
11:39:56
